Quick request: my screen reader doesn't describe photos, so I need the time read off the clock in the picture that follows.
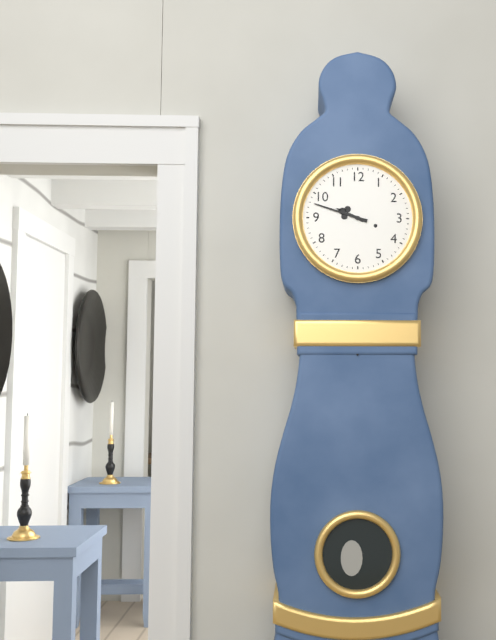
9:48
